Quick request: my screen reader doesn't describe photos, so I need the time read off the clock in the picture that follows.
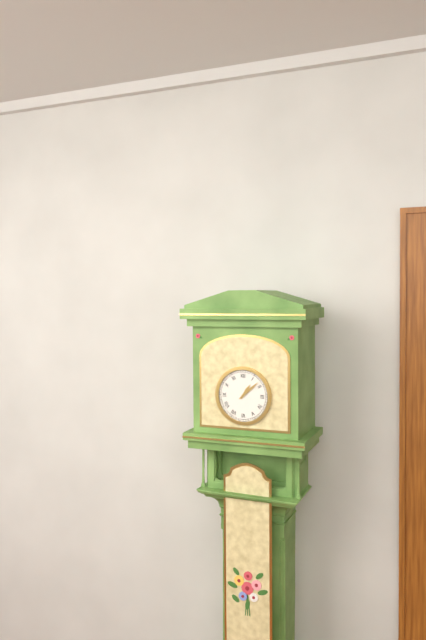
1:08
